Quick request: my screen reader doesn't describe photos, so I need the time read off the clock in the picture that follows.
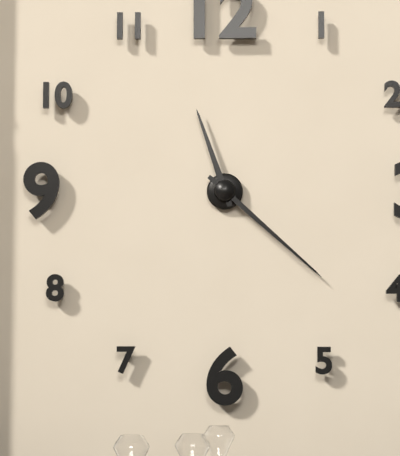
11:22
